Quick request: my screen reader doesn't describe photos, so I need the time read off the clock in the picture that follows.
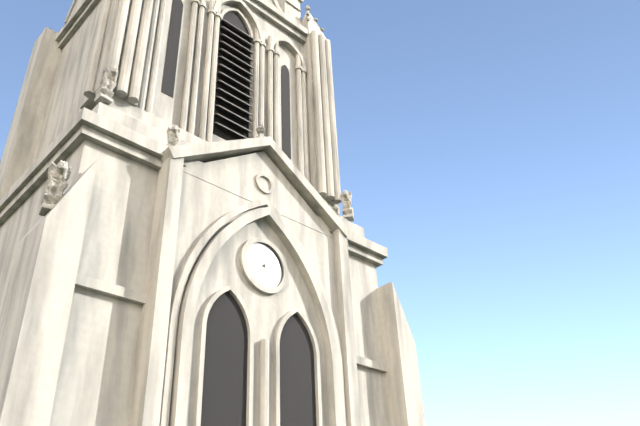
6:59
